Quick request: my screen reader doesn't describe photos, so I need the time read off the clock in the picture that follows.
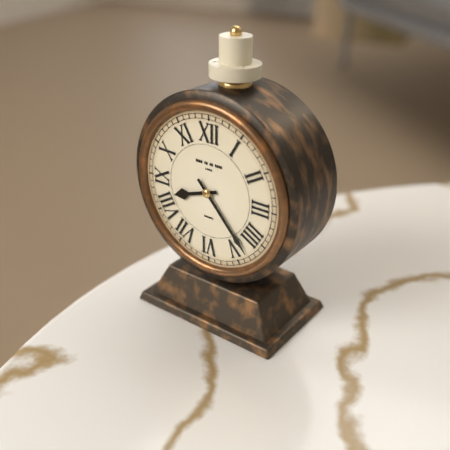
8:23
